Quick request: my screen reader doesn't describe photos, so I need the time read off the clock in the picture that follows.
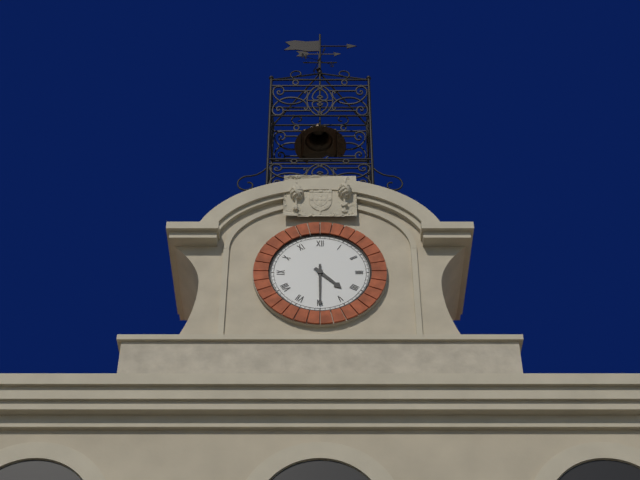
4:30
